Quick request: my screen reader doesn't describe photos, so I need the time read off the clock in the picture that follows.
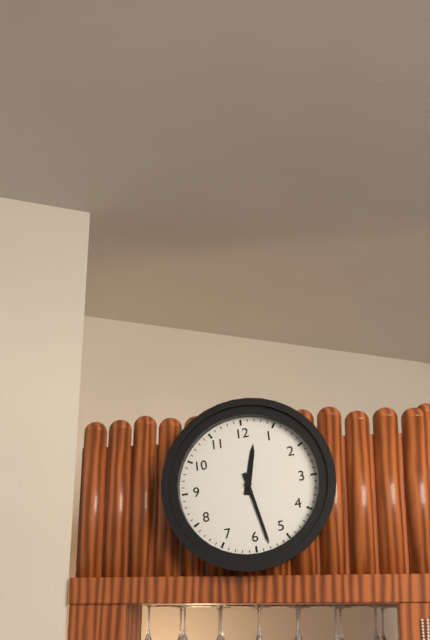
12:28
